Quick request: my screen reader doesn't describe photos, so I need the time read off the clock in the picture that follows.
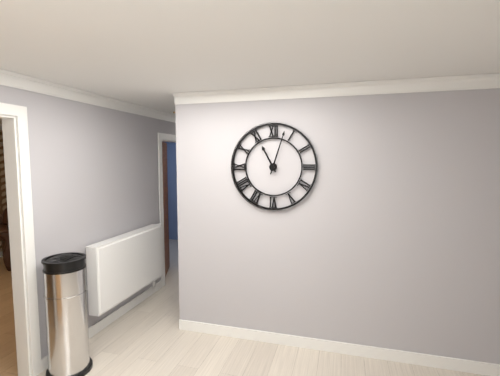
11:03
